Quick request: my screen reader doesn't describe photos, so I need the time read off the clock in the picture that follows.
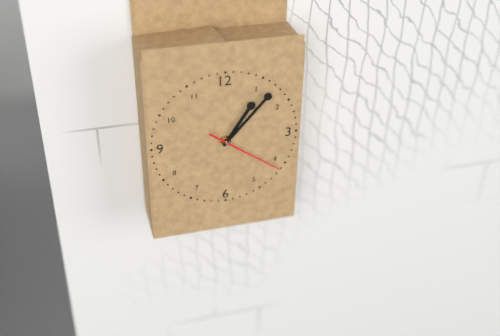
1:07:21
